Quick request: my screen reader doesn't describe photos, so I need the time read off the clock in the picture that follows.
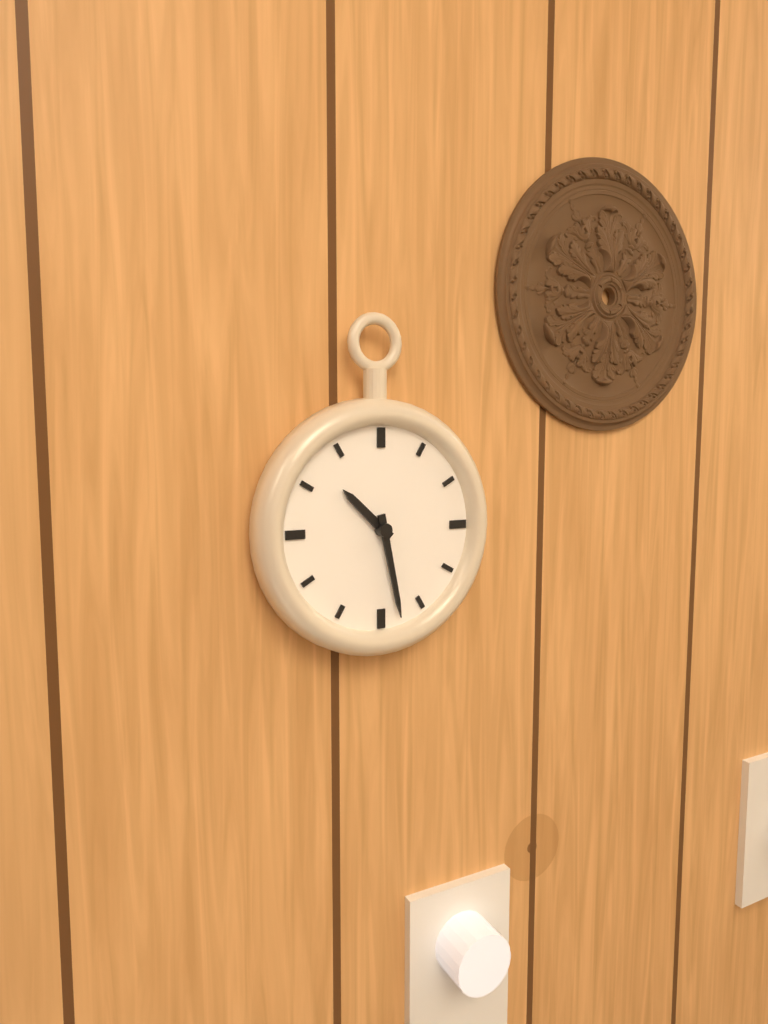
10:28
